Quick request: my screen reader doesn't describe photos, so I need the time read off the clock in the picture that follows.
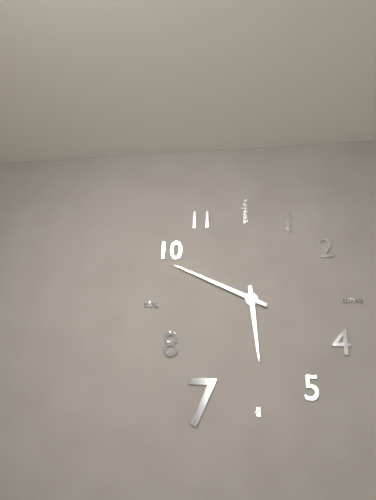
5:49
